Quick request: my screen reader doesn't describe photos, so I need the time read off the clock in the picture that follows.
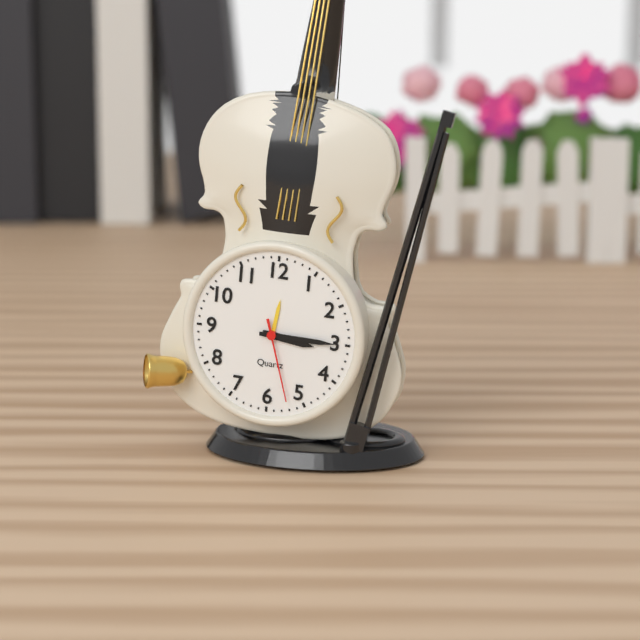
3:15:27
